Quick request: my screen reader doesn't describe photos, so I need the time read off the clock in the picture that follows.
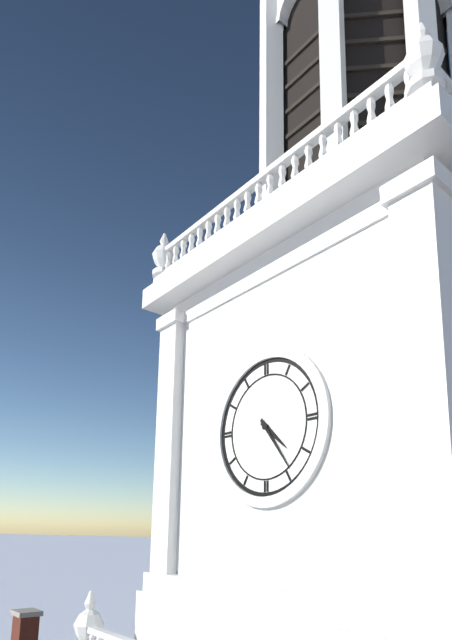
4:24
